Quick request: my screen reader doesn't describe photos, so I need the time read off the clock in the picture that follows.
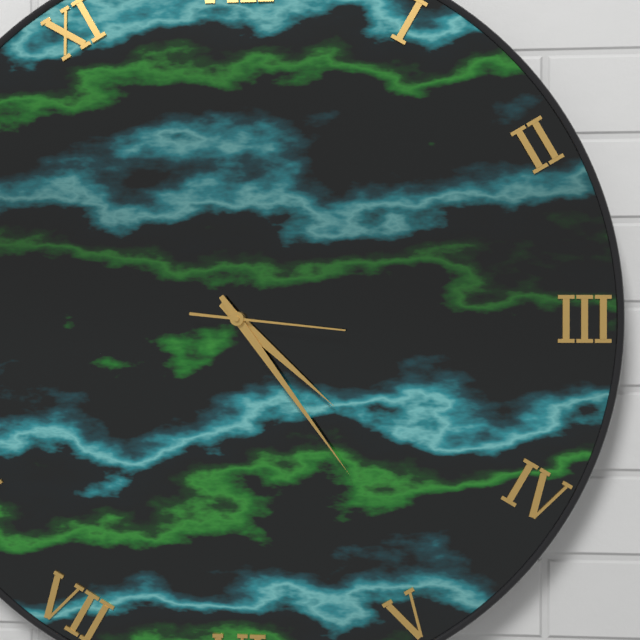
4:24:16
